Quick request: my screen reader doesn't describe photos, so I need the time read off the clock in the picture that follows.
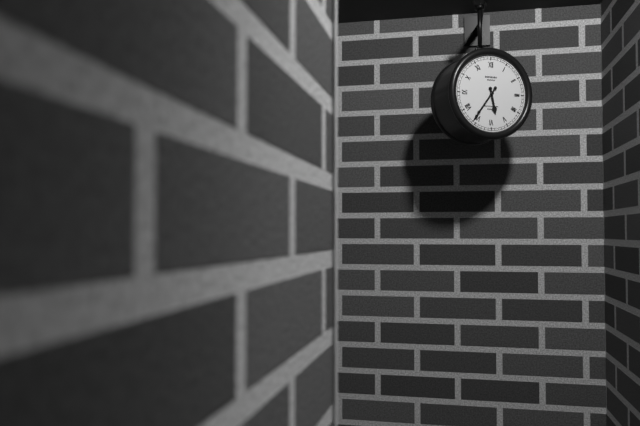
5:36
